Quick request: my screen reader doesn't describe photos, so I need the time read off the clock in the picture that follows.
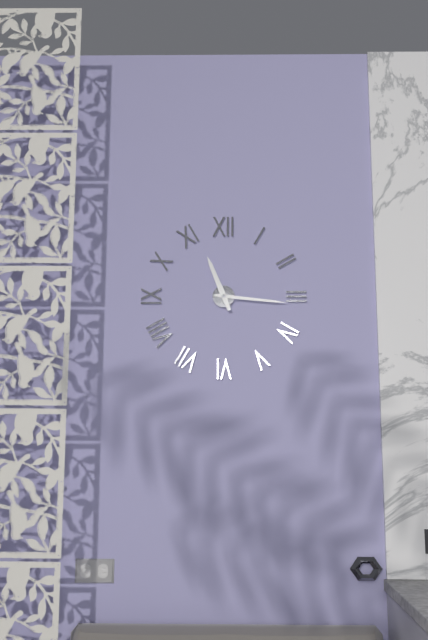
11:16
